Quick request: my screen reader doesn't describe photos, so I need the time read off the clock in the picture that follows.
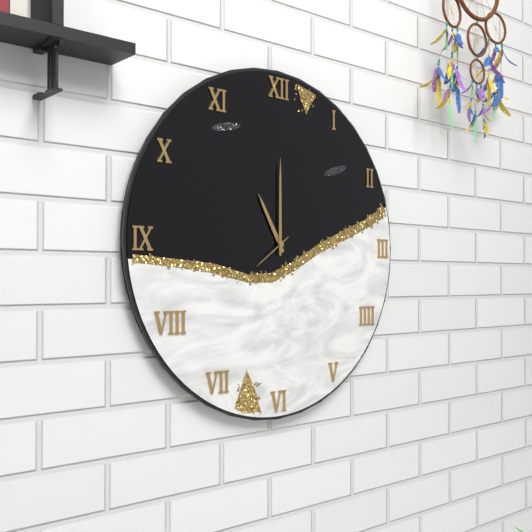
11:00
